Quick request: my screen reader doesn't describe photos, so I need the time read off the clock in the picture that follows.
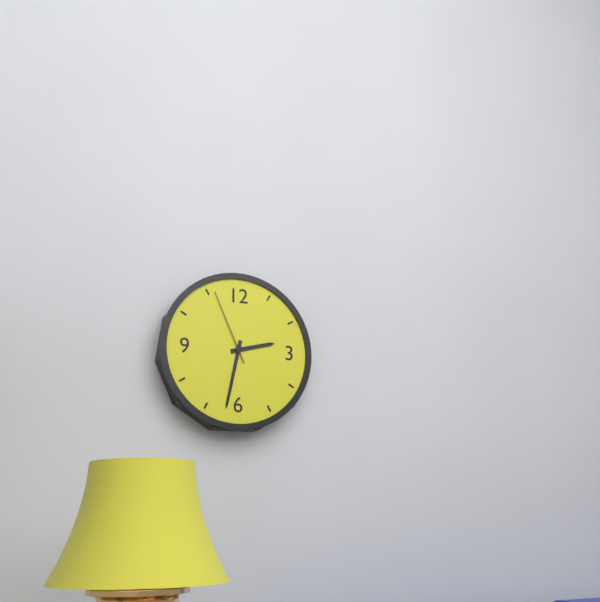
2:32:56
